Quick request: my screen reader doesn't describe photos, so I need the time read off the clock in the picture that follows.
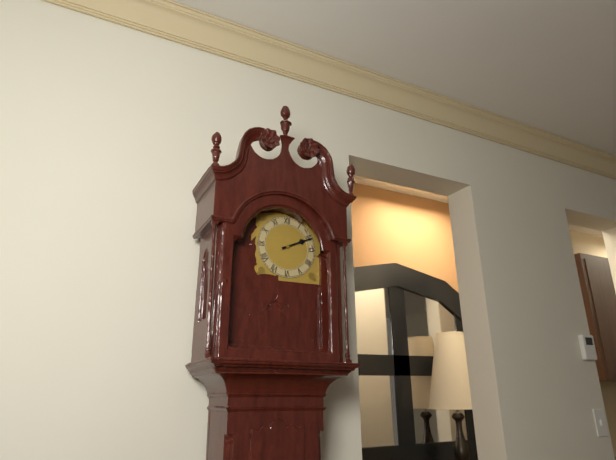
2:11
